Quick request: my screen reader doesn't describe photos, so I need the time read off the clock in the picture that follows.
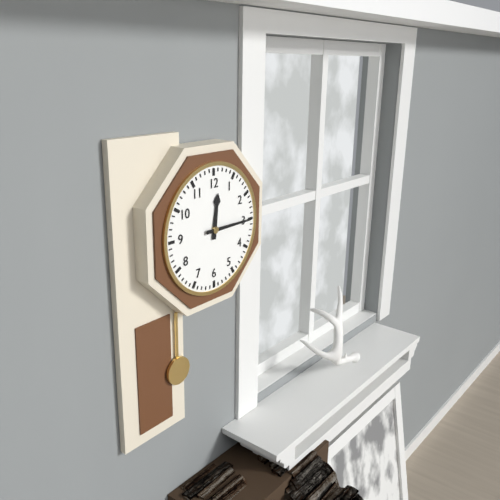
12:15
